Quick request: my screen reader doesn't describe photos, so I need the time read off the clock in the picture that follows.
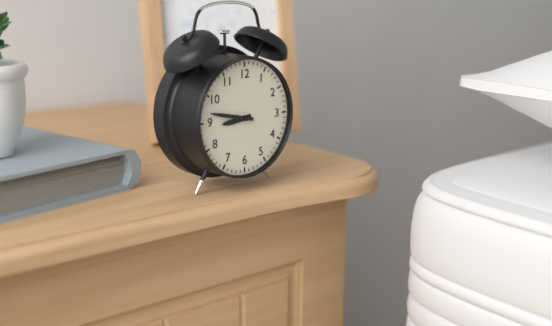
8:47
